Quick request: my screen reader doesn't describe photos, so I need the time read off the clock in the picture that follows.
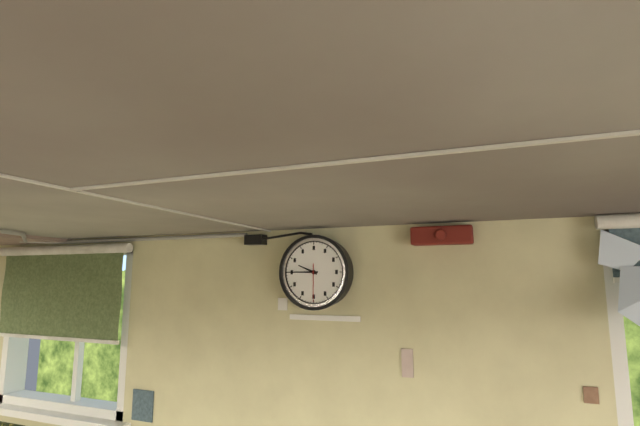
9:45
